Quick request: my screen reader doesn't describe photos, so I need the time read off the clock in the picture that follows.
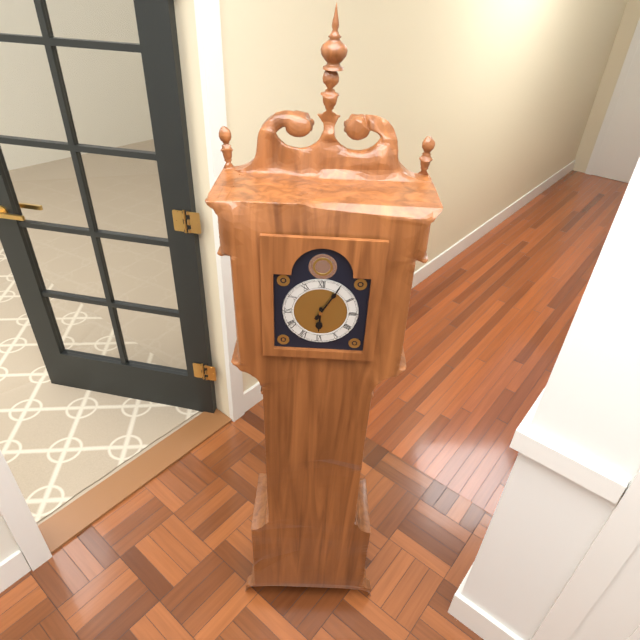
6:05
